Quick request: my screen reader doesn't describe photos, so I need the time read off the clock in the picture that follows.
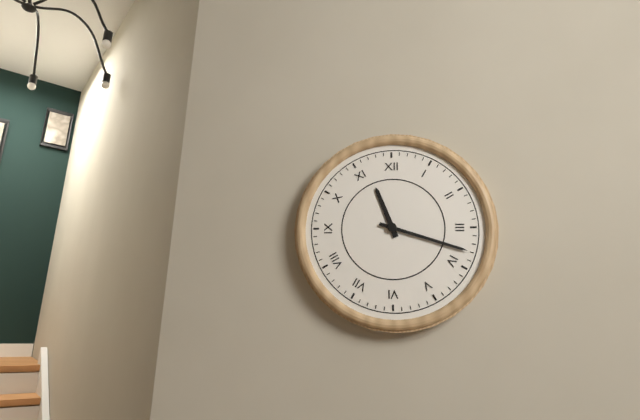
11:18
